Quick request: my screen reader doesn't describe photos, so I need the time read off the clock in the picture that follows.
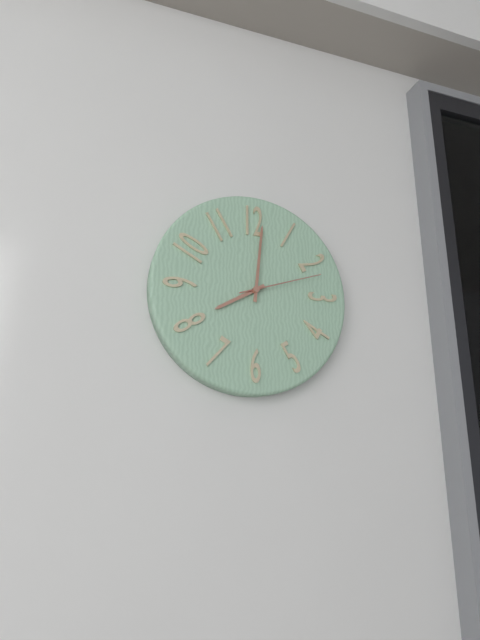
8:01:12
